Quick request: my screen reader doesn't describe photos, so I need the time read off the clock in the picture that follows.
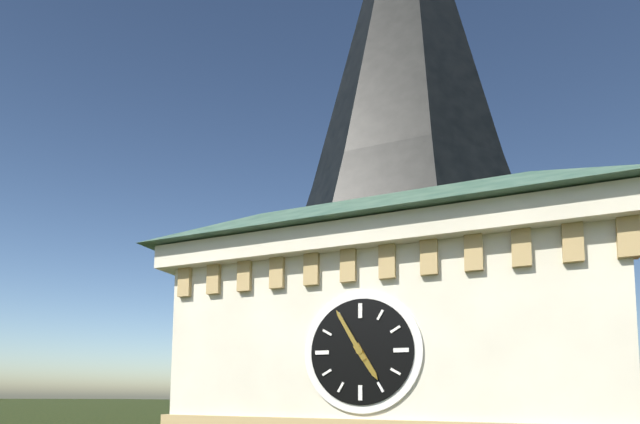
4:55
